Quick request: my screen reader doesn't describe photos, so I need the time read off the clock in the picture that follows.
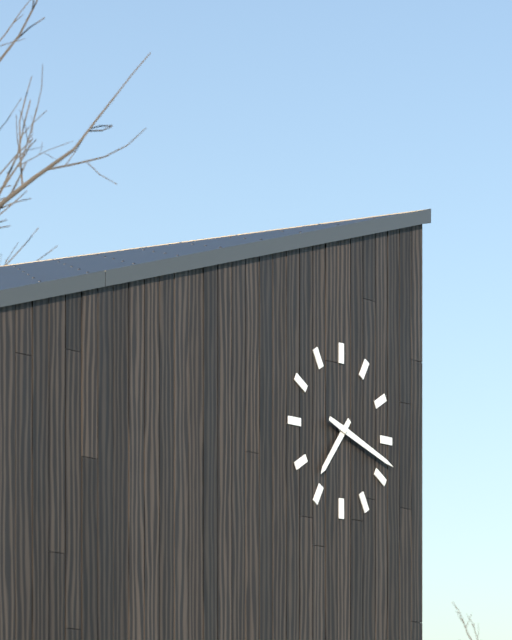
7:18
